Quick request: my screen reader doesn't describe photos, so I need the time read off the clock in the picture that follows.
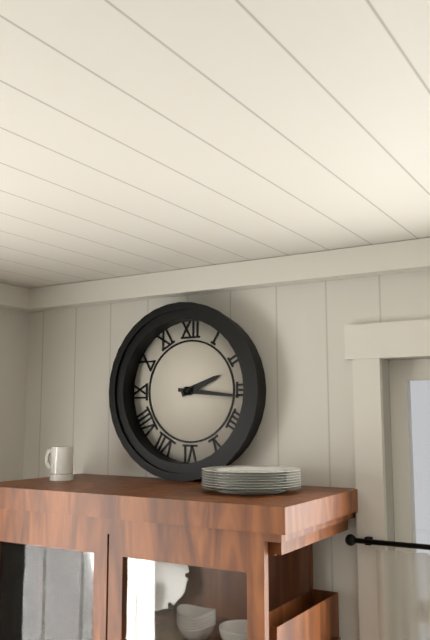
2:16
